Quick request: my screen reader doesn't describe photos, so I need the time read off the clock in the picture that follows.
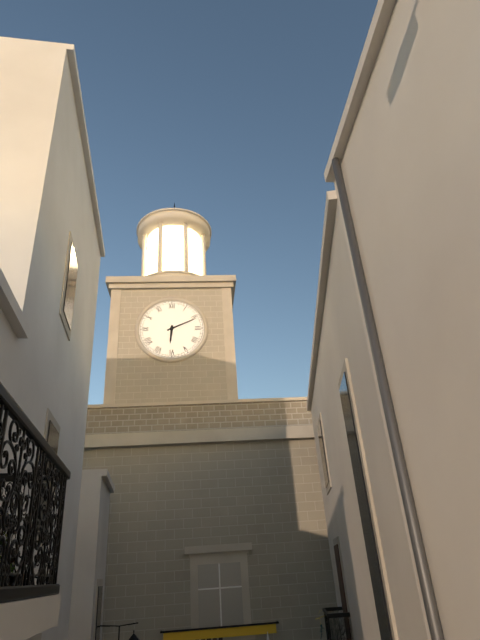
6:11
